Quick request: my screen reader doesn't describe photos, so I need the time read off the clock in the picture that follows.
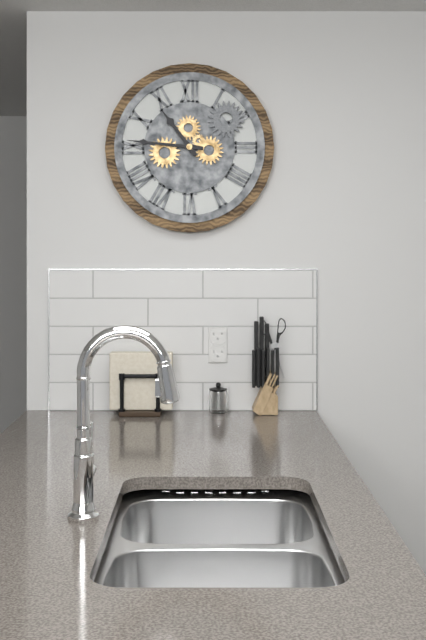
10:46
